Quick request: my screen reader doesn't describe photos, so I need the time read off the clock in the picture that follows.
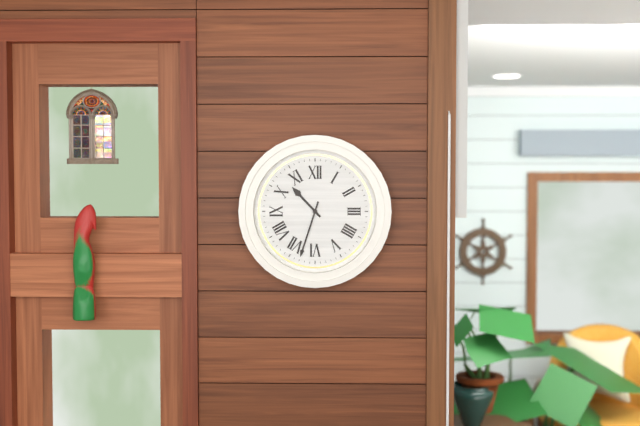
10:33
